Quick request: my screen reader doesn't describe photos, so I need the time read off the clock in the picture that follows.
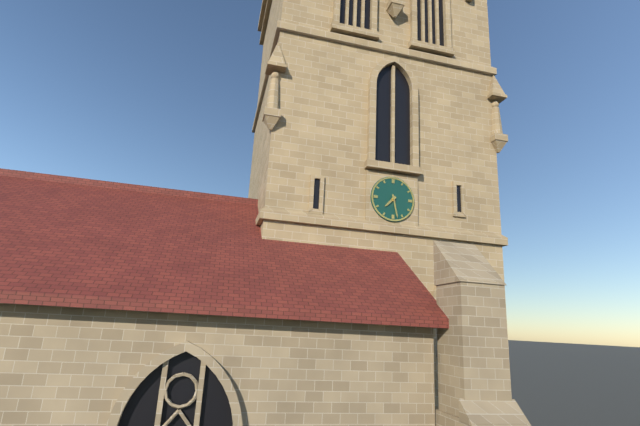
7:28
